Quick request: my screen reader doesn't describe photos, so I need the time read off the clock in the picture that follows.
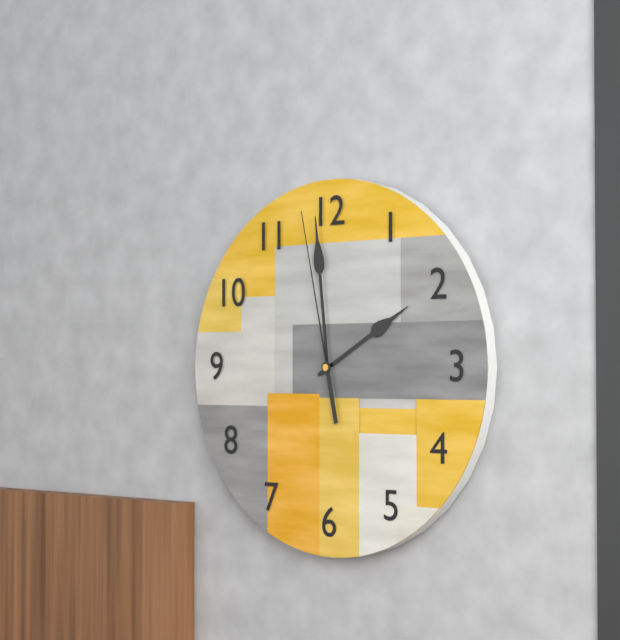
1:59:58
